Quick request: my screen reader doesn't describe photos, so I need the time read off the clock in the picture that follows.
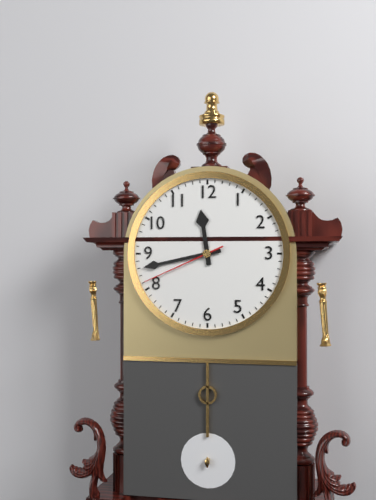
11:43:41
